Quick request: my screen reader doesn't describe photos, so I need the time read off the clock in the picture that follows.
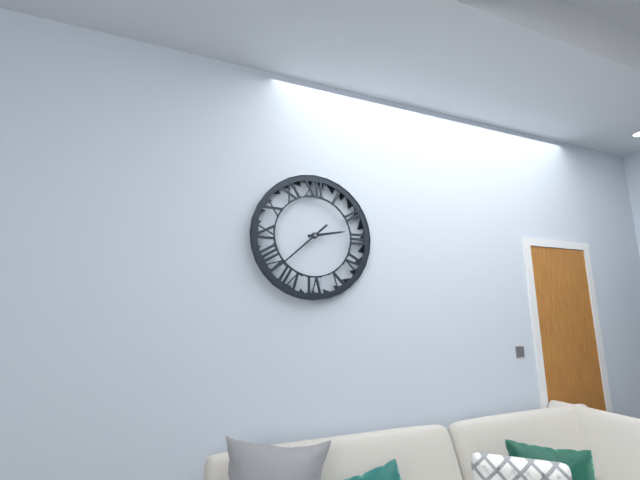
2:38
